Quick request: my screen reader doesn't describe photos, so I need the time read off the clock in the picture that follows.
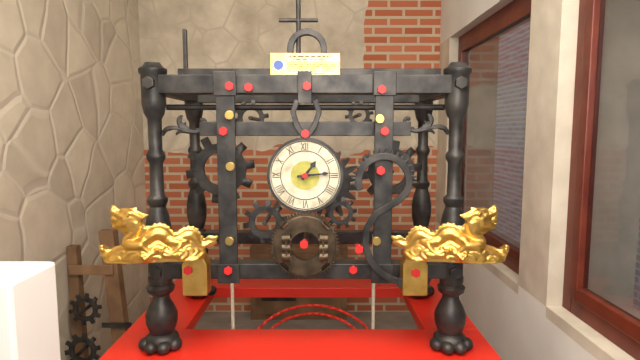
1:14
